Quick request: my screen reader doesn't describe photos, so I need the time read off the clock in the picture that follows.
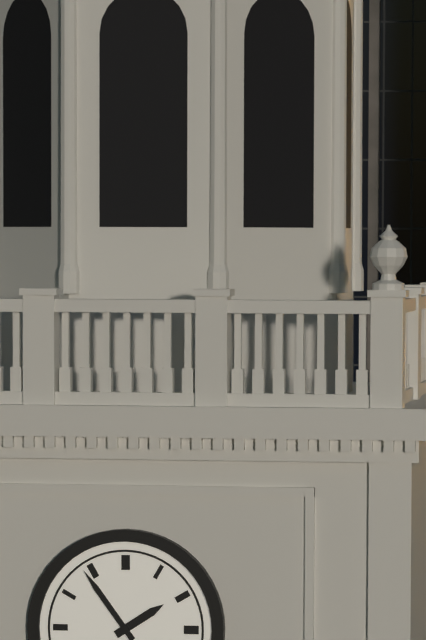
1:54
